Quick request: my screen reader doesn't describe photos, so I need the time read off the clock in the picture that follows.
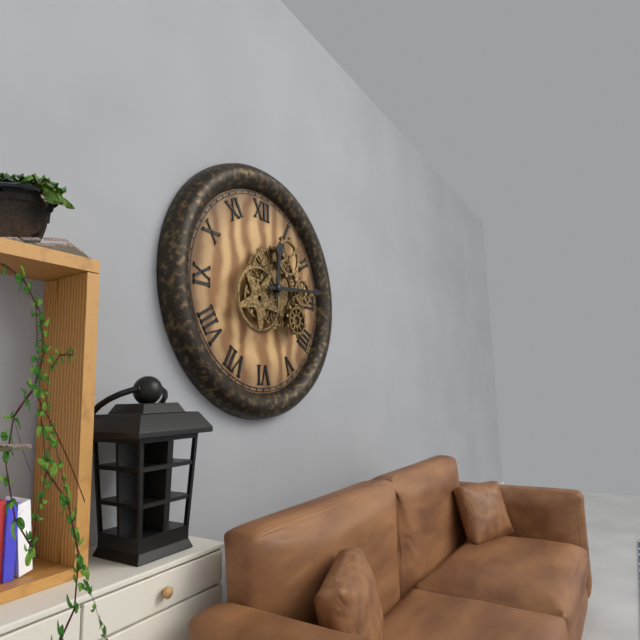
12:14
